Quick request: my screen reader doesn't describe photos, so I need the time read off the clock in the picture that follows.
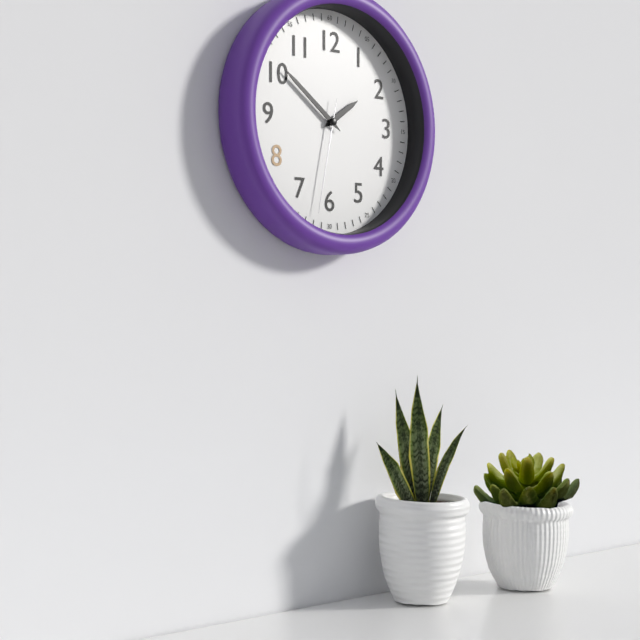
1:51:32
